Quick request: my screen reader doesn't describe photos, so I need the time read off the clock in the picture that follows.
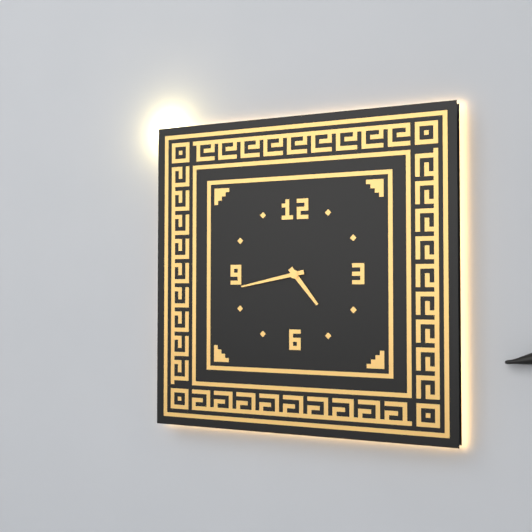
4:43
